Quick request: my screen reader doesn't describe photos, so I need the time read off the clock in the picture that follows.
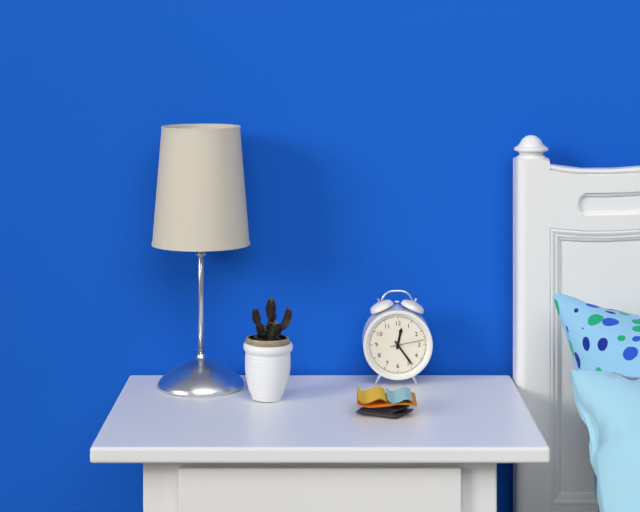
12:24
